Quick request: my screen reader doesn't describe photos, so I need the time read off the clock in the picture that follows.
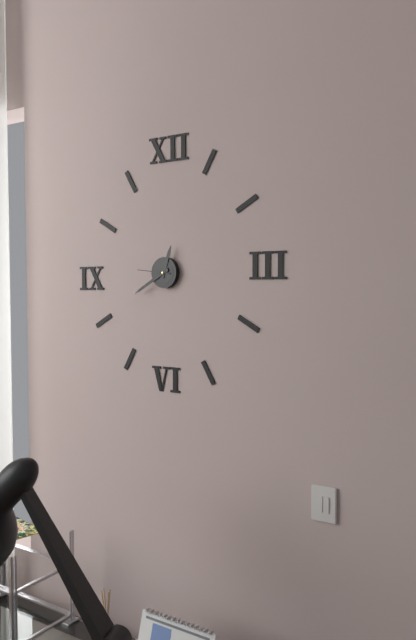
12:40
